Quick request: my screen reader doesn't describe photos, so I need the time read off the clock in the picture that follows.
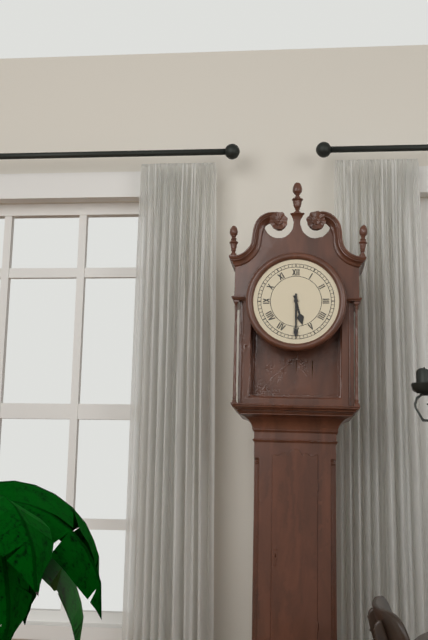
5:30
